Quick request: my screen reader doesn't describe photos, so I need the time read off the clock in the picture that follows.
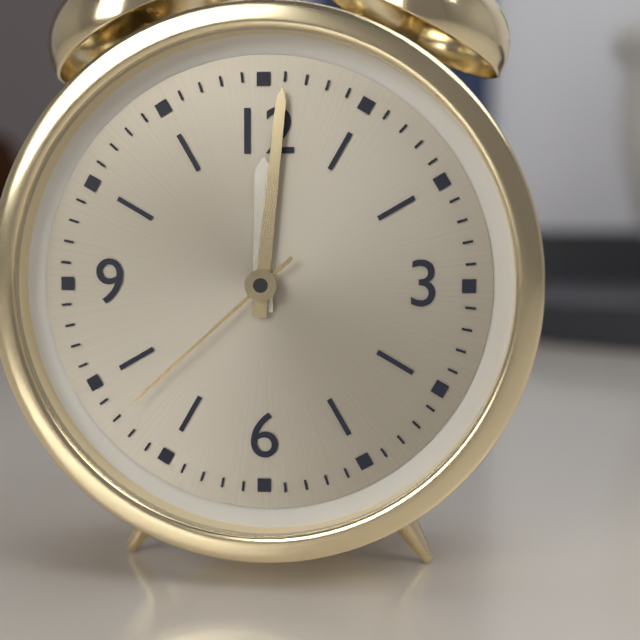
12:01:38
